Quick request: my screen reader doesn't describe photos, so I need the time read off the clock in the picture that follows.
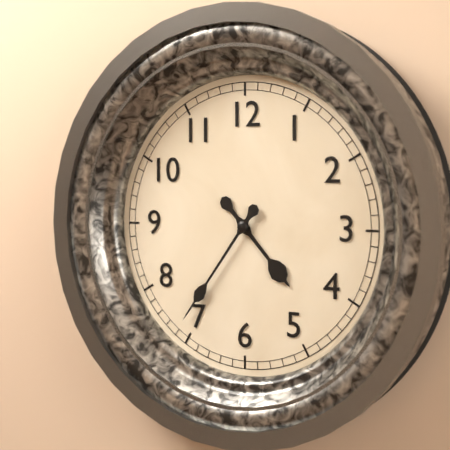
4:36
